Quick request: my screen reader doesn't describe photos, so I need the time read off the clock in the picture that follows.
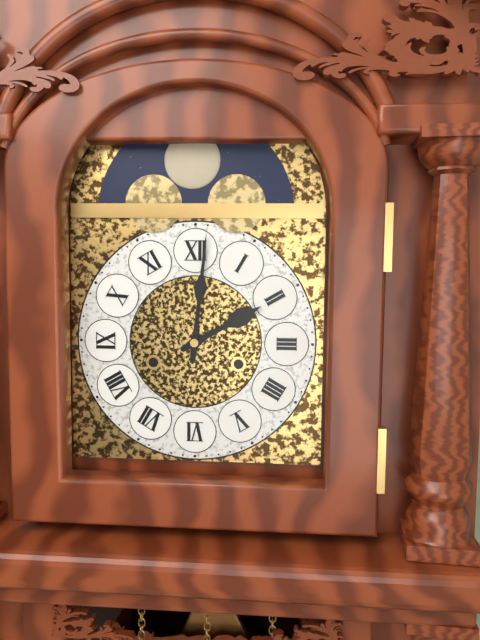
2:01
